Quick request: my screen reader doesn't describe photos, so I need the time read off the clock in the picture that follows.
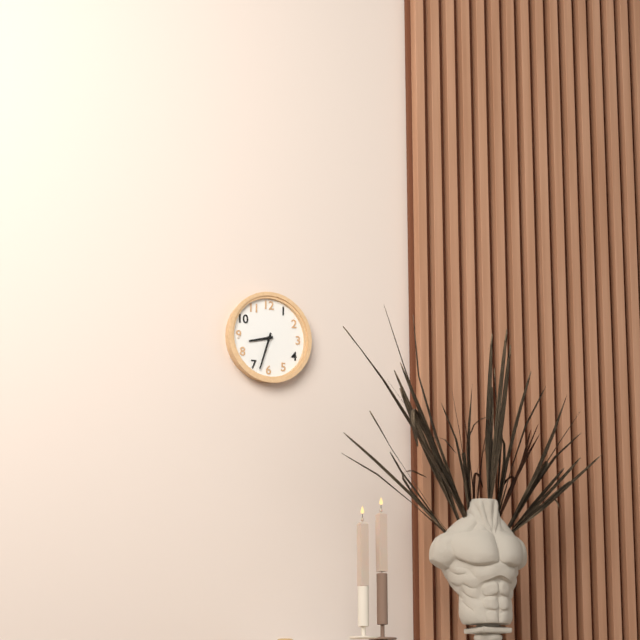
8:33
